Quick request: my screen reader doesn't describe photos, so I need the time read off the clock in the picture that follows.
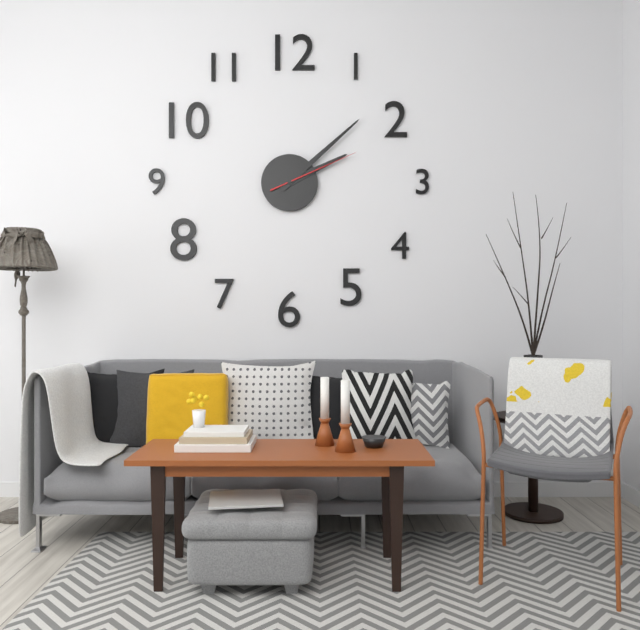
2:08:11
